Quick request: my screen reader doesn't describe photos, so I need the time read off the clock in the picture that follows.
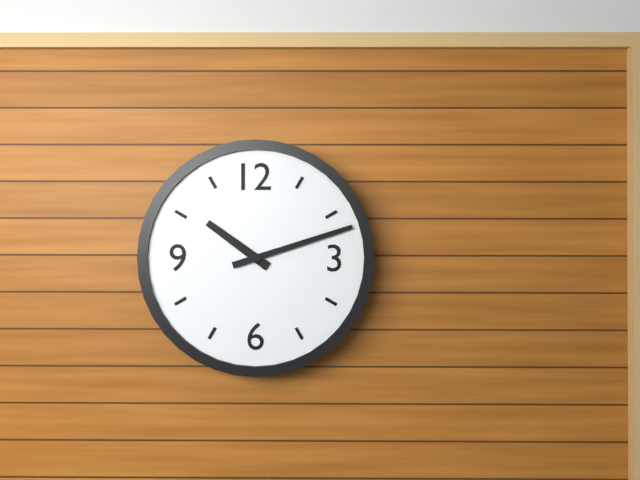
10:12
